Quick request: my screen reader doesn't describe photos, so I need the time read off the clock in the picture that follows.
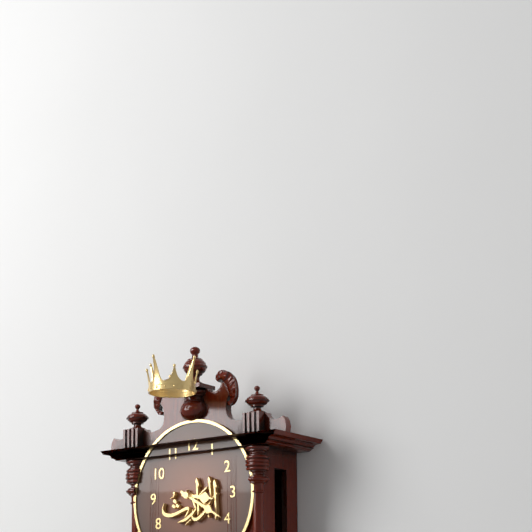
3:20
